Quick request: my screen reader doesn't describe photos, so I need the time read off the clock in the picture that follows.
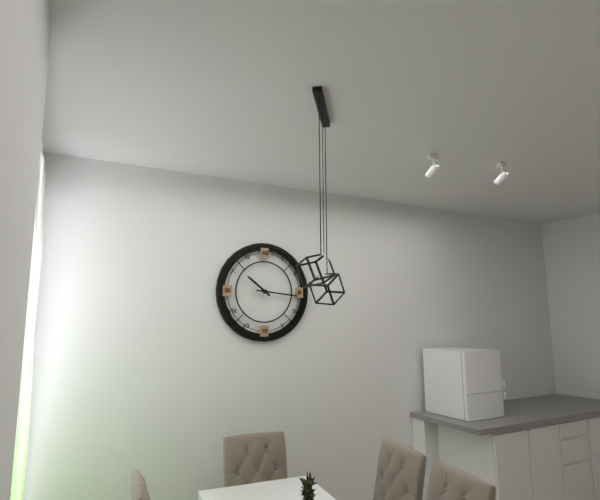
10:16
